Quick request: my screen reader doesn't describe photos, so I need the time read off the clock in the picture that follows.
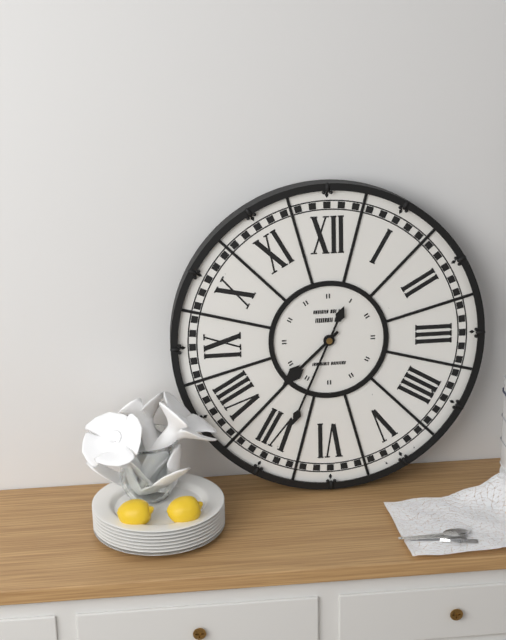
7:34
